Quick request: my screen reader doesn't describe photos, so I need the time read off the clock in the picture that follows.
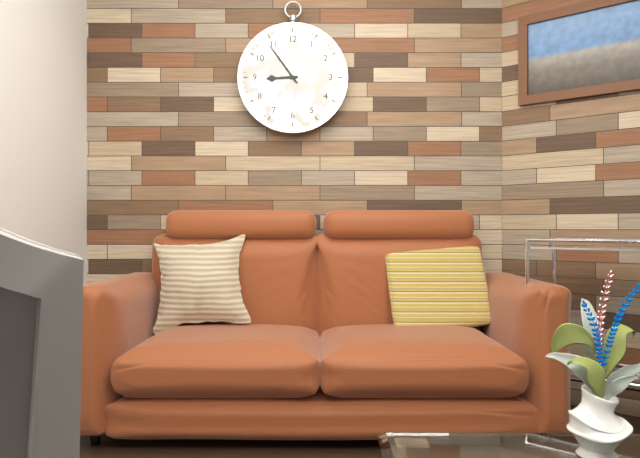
8:54
